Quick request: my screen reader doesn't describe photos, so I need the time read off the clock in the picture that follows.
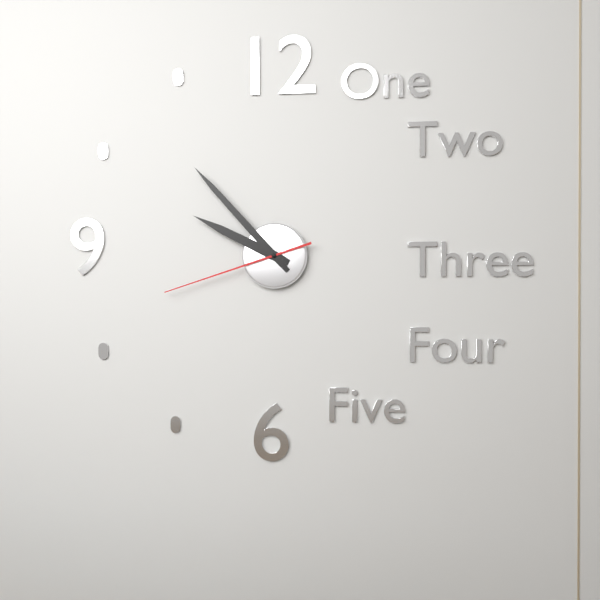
9:53:42
